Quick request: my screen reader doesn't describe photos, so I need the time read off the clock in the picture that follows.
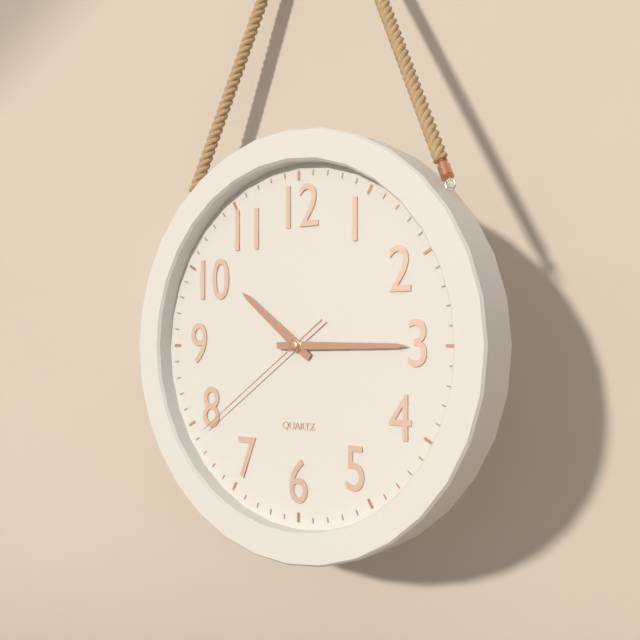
10:15:39
